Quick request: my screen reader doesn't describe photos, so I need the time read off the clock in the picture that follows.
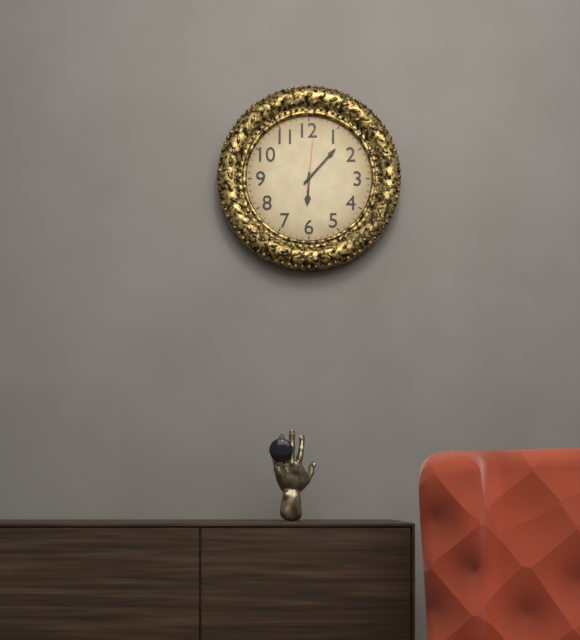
6:07:01
